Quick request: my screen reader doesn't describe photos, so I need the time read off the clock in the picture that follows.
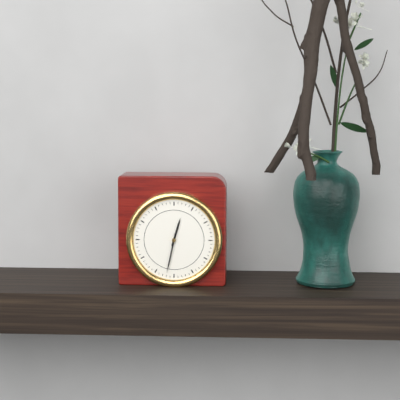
12:32
